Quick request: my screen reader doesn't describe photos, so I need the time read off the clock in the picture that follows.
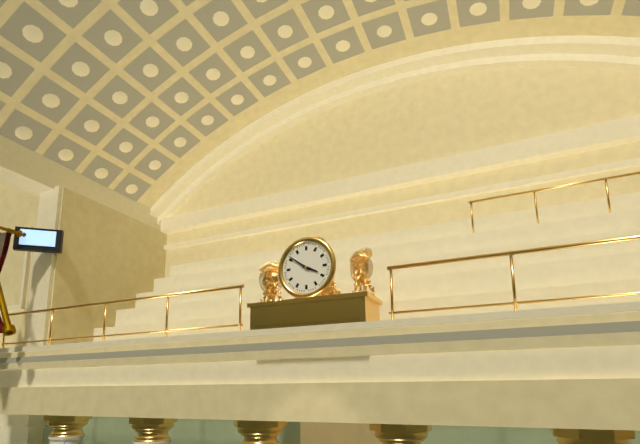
3:51
